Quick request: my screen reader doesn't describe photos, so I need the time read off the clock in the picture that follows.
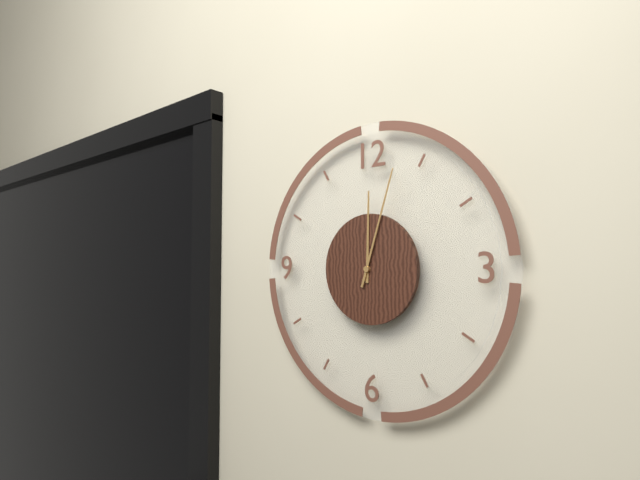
12:03
